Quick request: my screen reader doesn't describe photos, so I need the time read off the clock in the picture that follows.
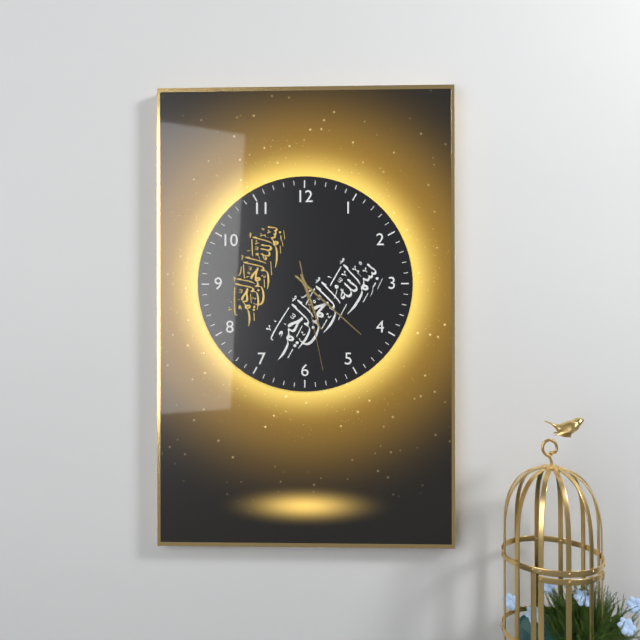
5:22:28
